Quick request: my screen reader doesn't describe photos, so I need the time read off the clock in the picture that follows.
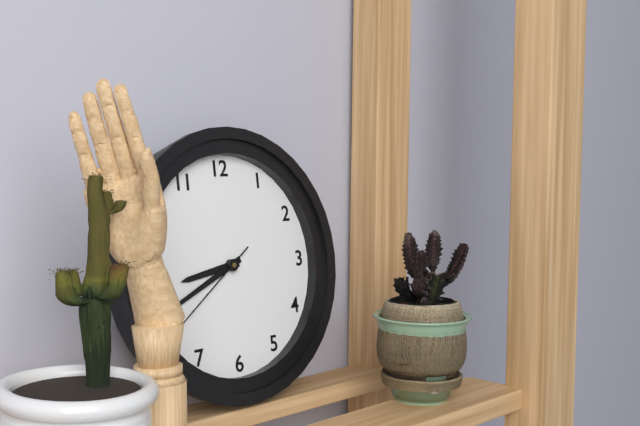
8:41:39
